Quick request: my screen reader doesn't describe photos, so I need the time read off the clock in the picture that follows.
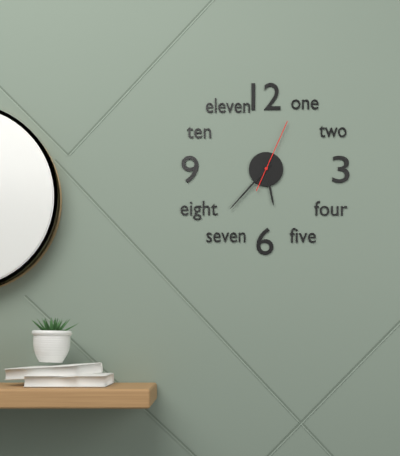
5:37:04
